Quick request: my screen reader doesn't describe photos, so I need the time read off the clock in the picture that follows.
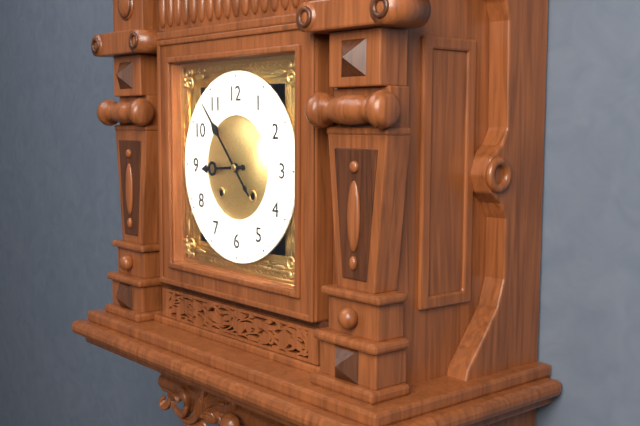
8:53
